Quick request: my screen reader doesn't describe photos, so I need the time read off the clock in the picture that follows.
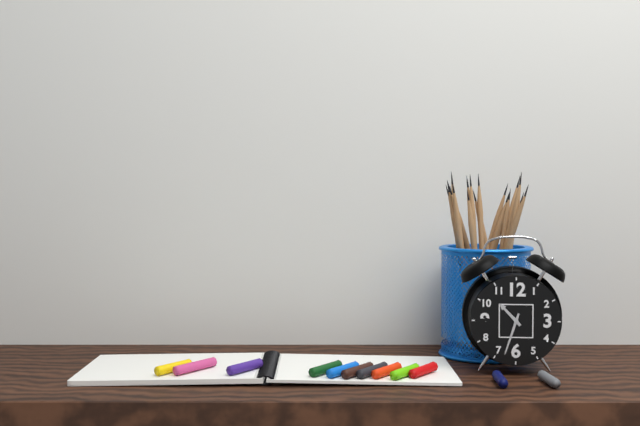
10:33
